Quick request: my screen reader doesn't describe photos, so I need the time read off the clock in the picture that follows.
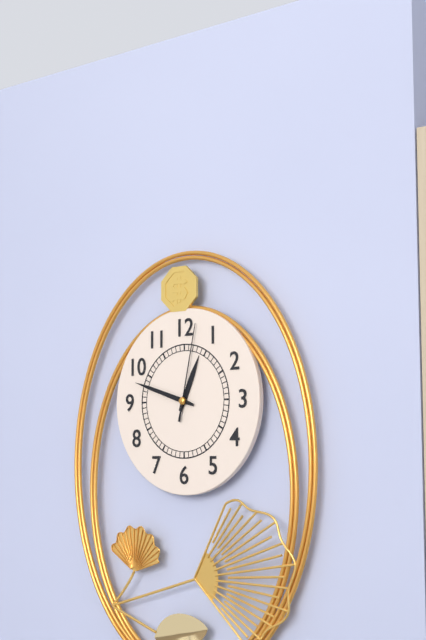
12:48:02
